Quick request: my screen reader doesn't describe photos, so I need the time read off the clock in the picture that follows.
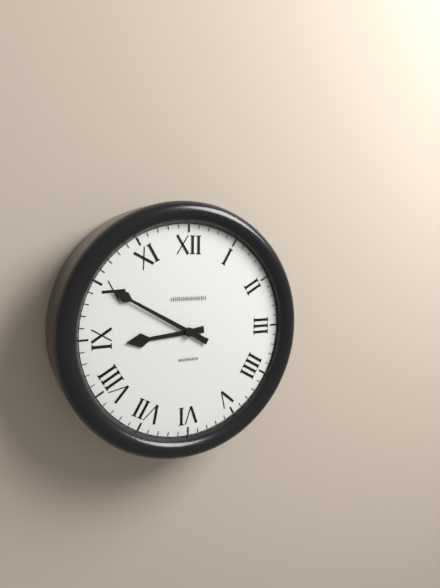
8:50
